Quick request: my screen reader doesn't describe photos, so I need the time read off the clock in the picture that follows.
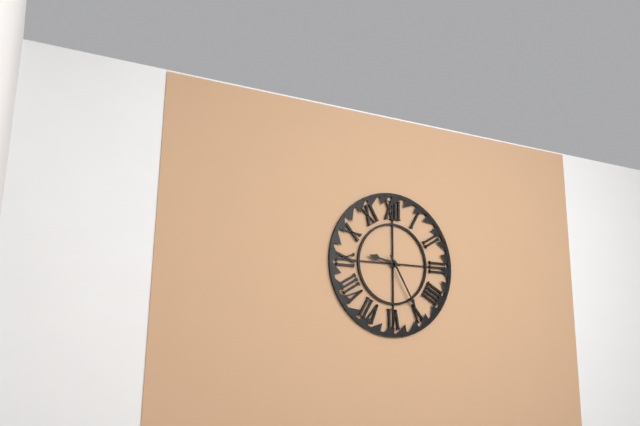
9:25
